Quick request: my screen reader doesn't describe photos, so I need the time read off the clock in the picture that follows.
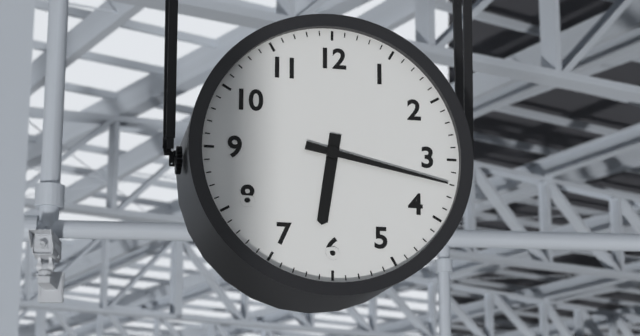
6:17
